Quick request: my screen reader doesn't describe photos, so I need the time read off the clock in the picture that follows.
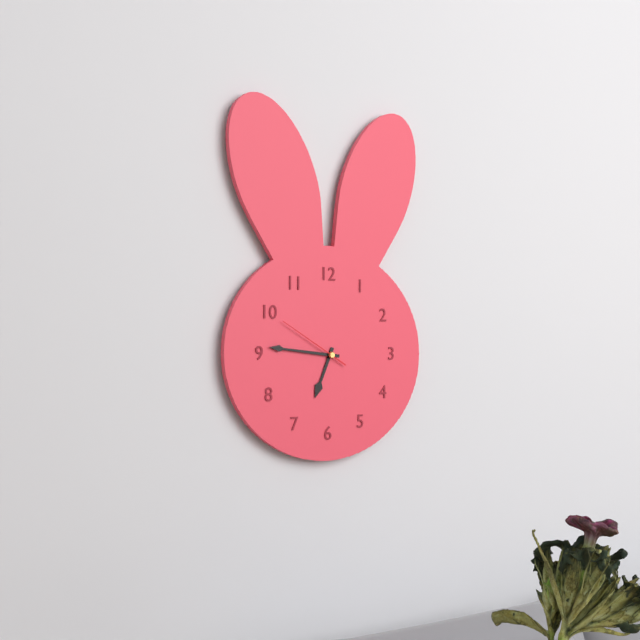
6:46:50
